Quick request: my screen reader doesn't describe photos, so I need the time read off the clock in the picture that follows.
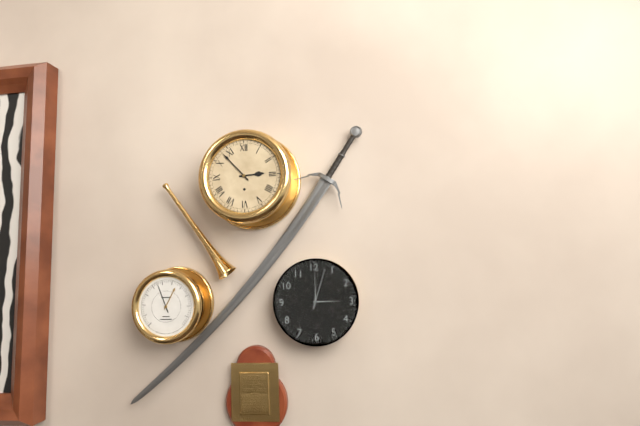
2:53
